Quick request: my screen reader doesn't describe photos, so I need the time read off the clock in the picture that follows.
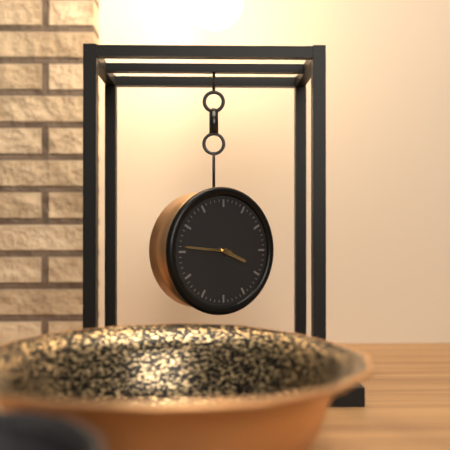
3:46
